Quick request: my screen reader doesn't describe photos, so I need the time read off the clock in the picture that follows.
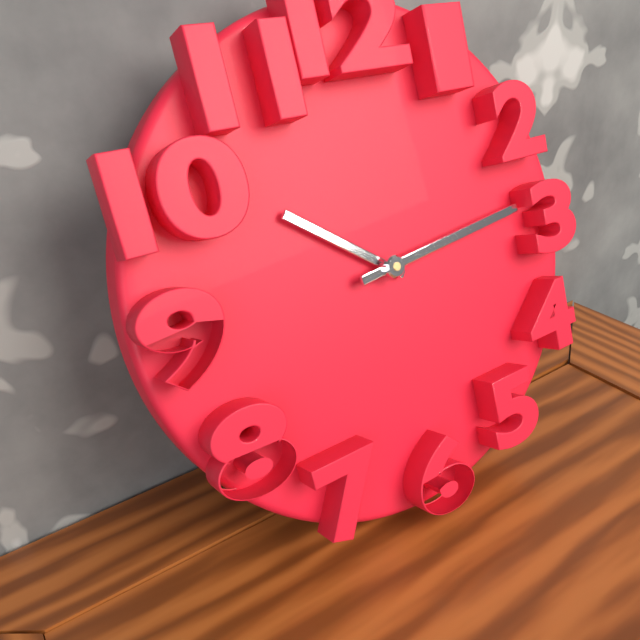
10:14
